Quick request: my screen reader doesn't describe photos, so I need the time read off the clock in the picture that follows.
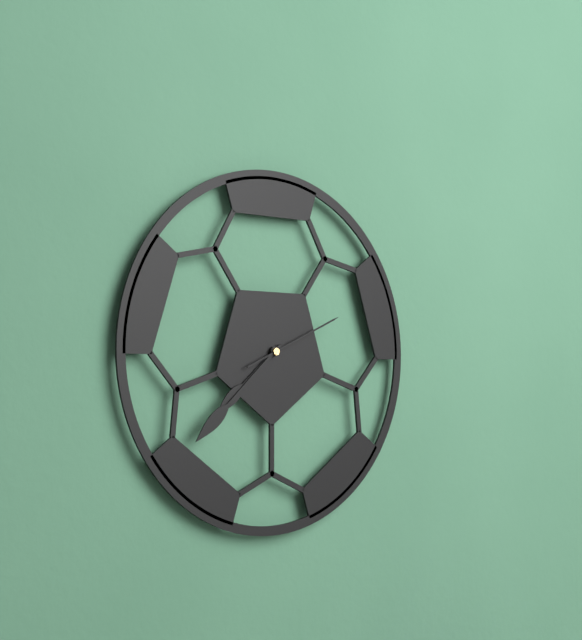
7:38:11
